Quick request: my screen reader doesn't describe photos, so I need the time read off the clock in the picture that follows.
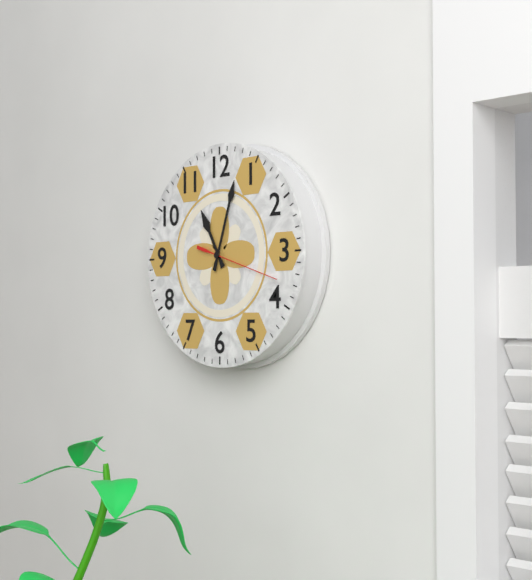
11:03:18
